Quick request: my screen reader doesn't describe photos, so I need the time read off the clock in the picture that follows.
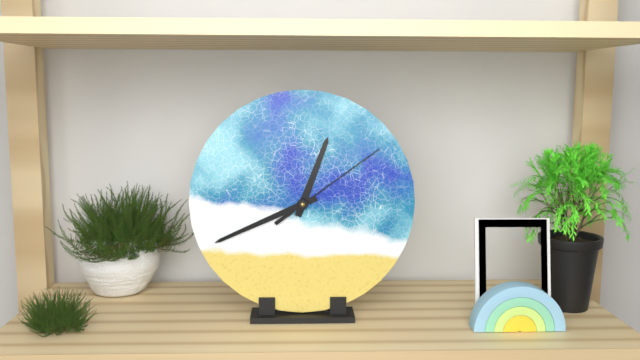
12:41:09
